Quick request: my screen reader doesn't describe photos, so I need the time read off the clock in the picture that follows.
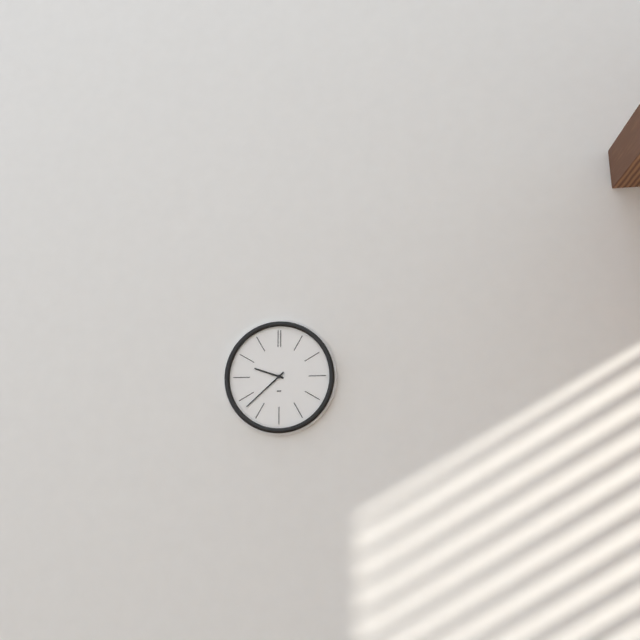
9:38
